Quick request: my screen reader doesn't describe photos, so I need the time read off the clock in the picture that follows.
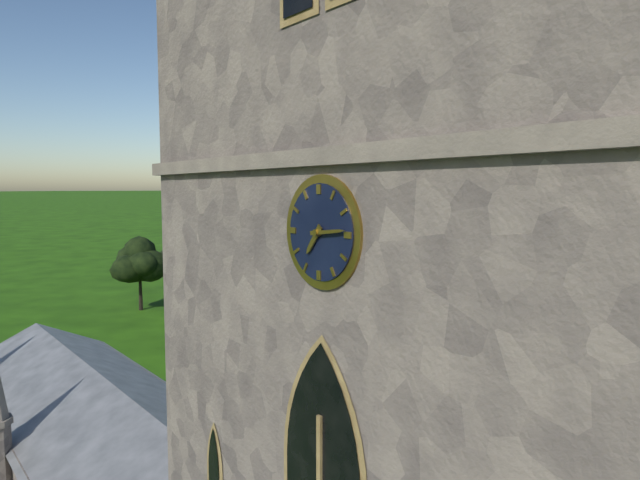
7:14
